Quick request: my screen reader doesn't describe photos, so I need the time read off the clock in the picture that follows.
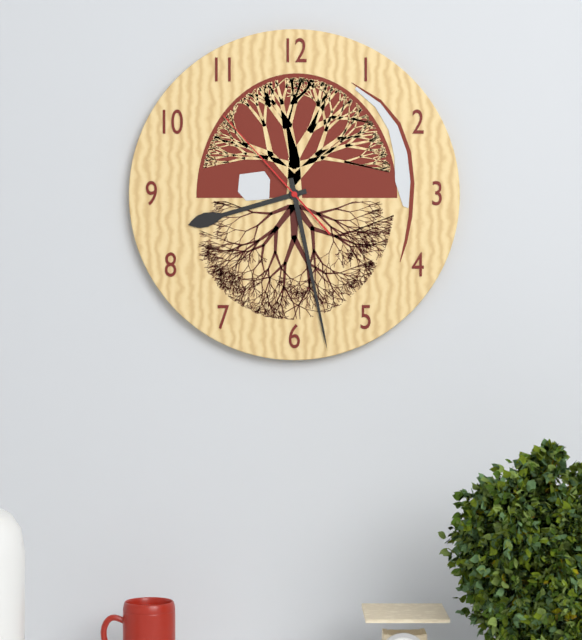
8:28:53
